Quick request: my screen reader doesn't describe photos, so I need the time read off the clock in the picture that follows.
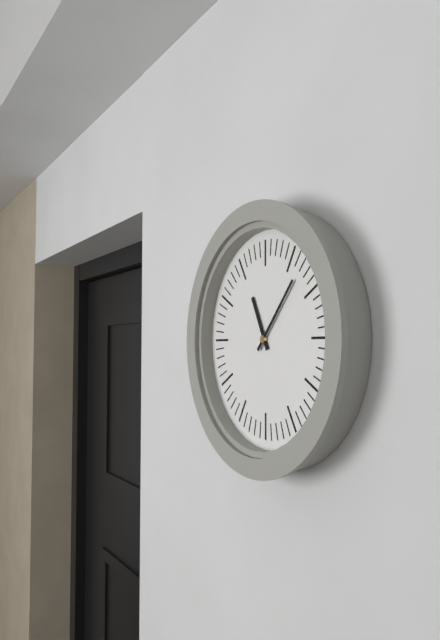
11:07
